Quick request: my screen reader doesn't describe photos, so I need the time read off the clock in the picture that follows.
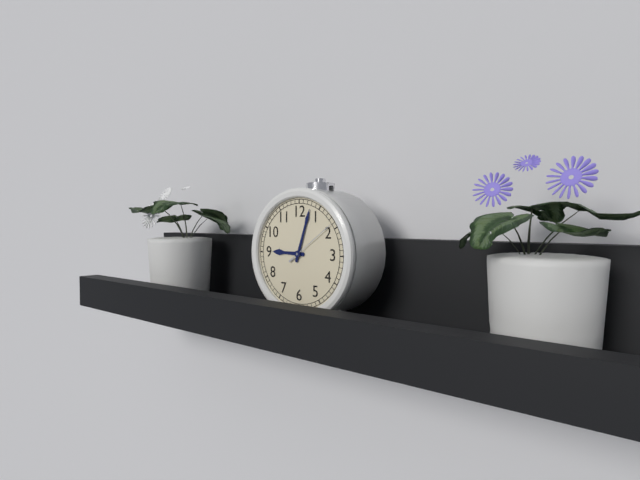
9:03:09
